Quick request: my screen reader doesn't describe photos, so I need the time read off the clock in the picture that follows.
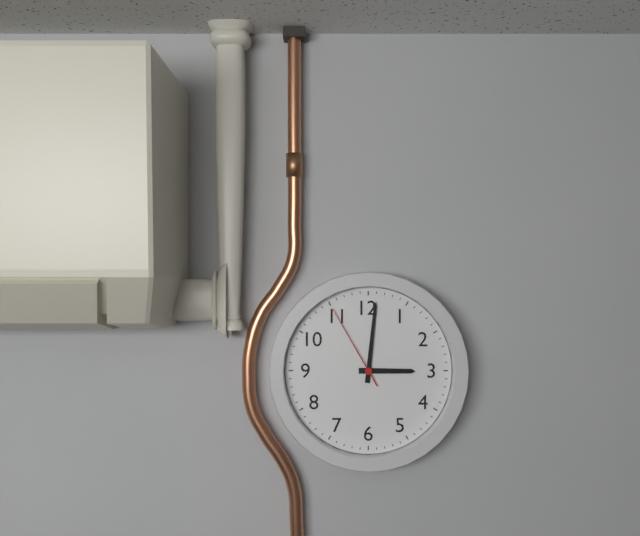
3:01:55
